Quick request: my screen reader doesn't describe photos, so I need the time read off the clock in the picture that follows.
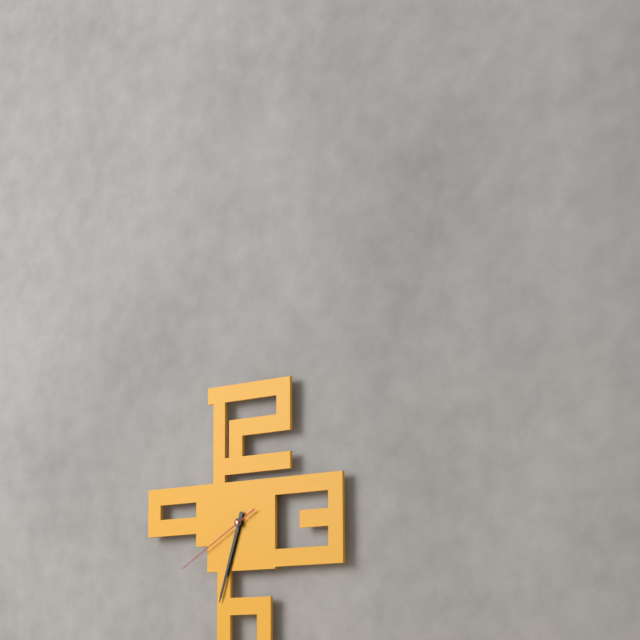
6:33:40
